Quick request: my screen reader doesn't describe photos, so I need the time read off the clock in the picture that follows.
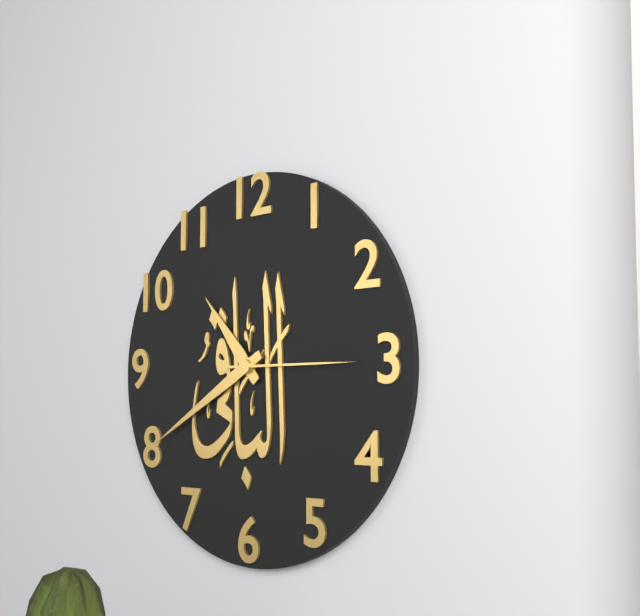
10:40:15
